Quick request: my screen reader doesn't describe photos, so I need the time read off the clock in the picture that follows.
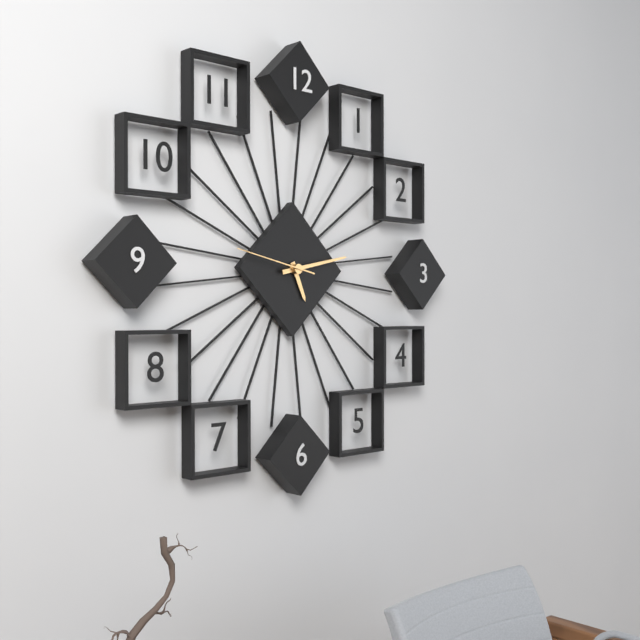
5:13:47
